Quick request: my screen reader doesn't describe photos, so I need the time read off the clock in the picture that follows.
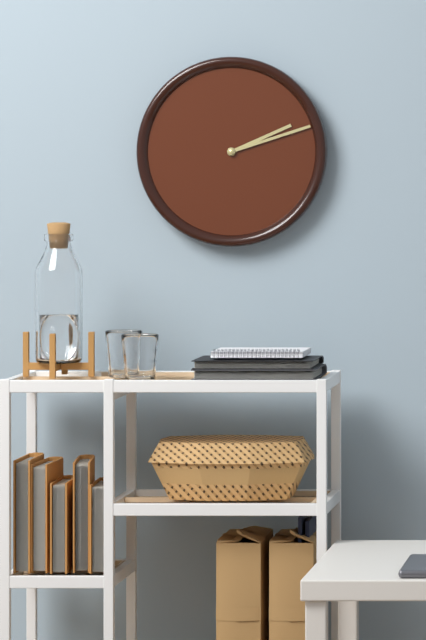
2:12
